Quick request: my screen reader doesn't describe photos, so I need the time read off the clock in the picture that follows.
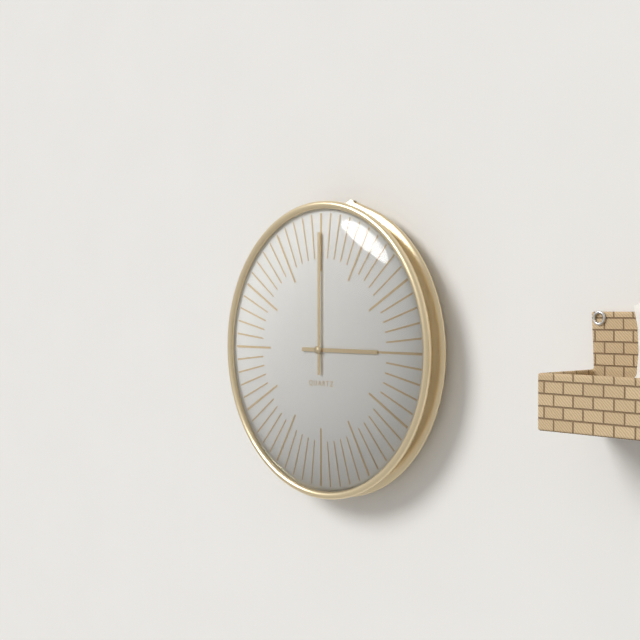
3:00
